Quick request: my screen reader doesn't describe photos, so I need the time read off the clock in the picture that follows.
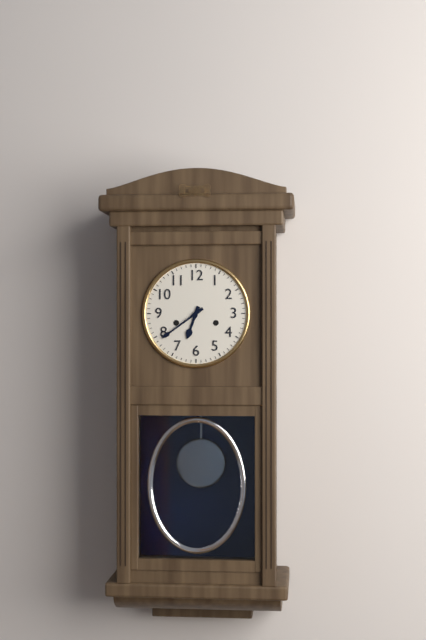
6:39
